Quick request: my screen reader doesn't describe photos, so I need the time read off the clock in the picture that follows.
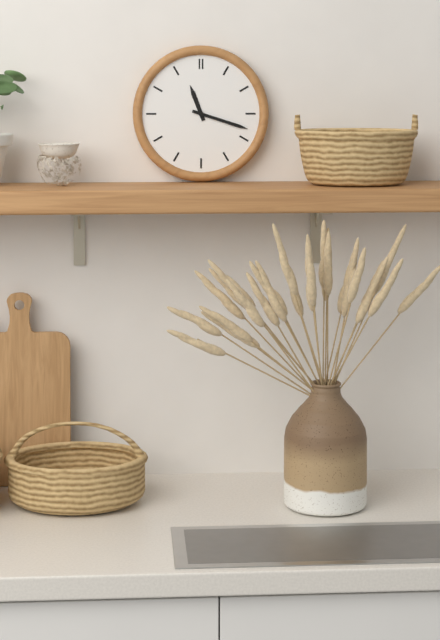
11:18
